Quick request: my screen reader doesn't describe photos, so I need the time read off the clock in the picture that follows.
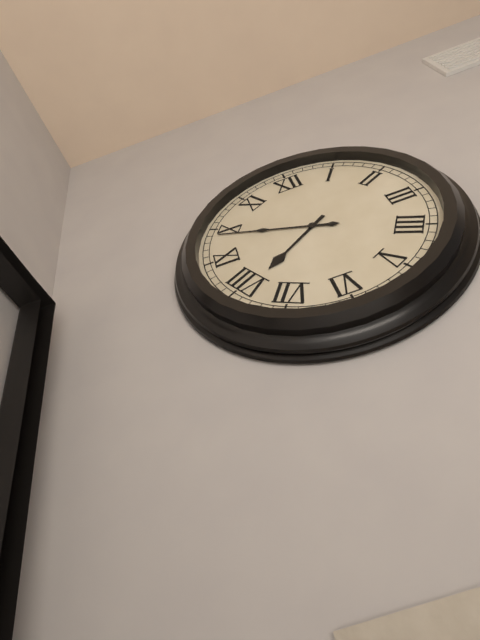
7:49
